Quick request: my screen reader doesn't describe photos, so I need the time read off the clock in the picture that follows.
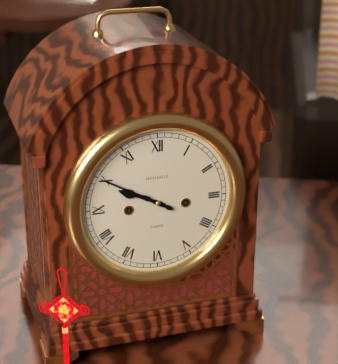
9:50
